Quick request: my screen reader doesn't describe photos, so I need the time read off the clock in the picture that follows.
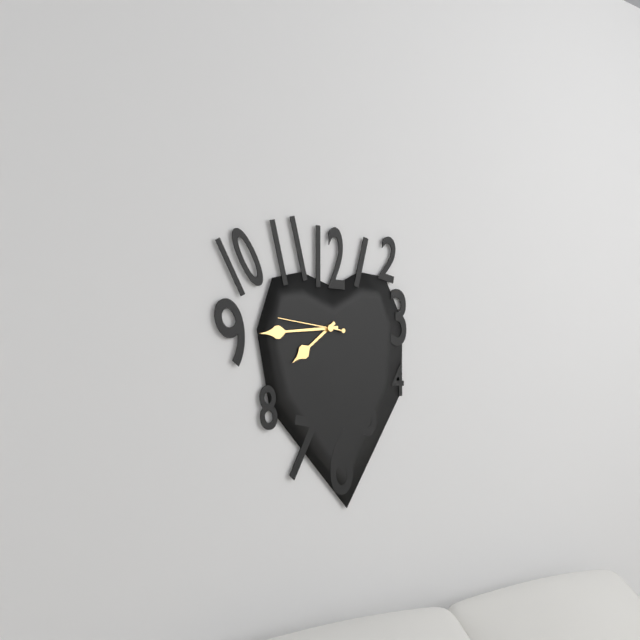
7:44:46
